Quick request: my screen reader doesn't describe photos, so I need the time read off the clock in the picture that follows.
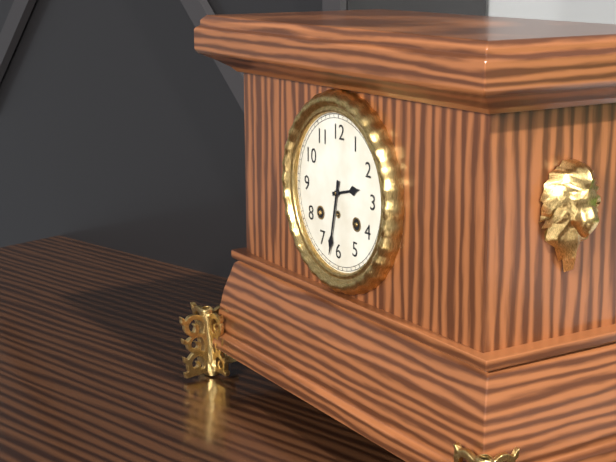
2:32
